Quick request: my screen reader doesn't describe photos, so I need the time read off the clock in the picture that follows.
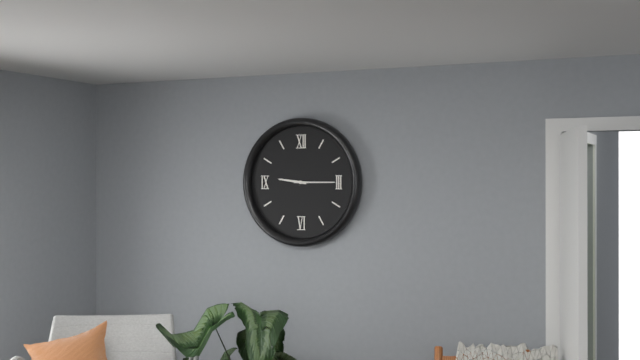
9:15
